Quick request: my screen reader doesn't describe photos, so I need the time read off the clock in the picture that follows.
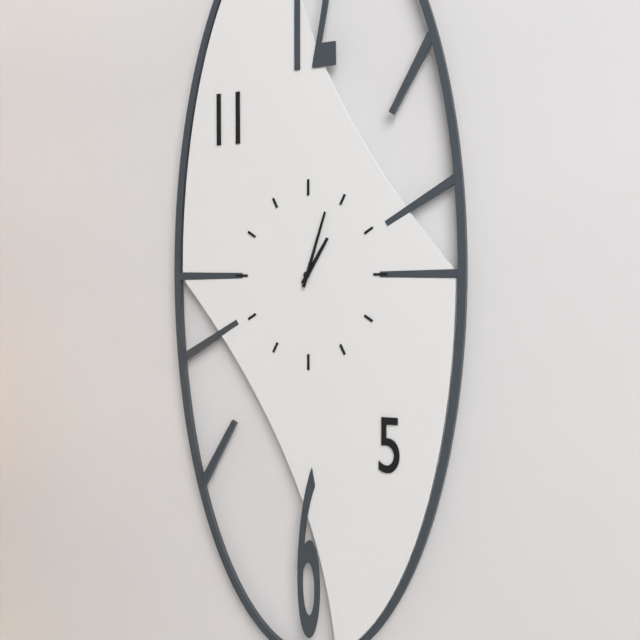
1:03
